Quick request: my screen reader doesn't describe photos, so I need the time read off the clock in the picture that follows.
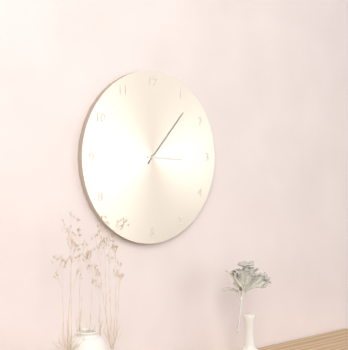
3:07
